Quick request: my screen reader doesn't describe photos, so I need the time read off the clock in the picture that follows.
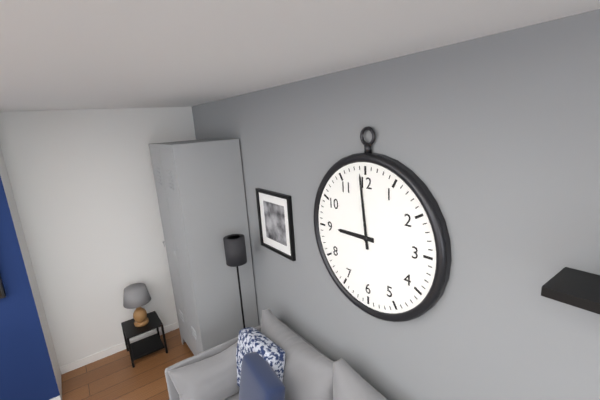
8:59
